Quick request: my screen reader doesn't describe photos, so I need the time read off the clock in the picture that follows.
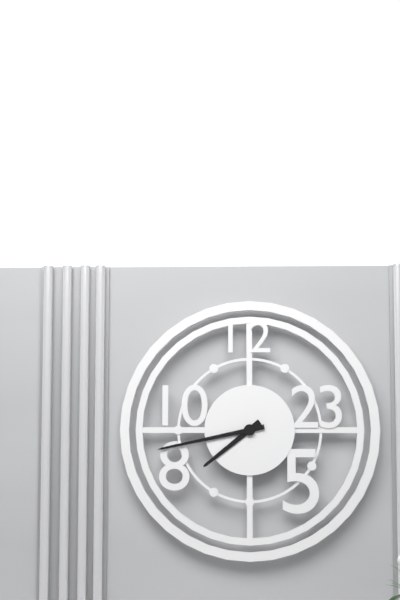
7:43
